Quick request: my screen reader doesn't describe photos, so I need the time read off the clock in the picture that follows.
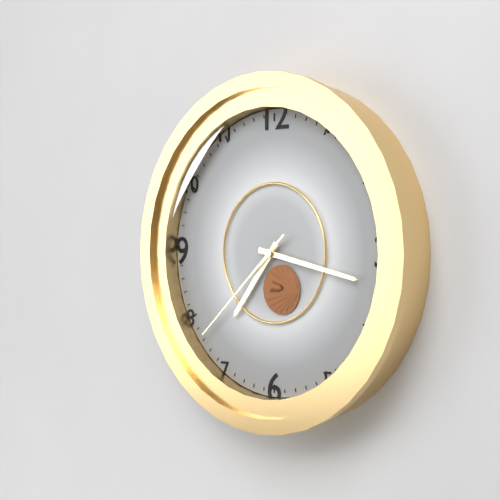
7:17:38
